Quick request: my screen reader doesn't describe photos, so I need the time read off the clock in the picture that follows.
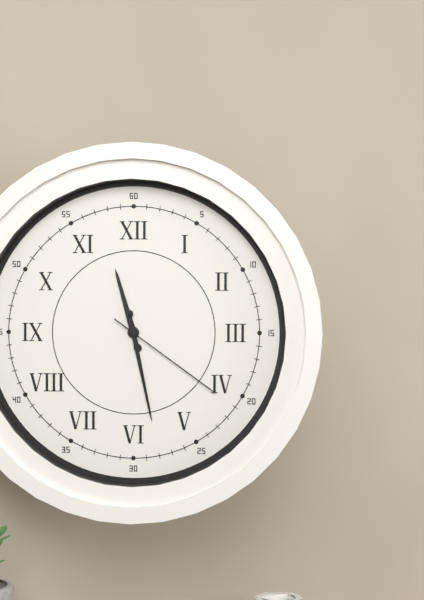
11:28:21
